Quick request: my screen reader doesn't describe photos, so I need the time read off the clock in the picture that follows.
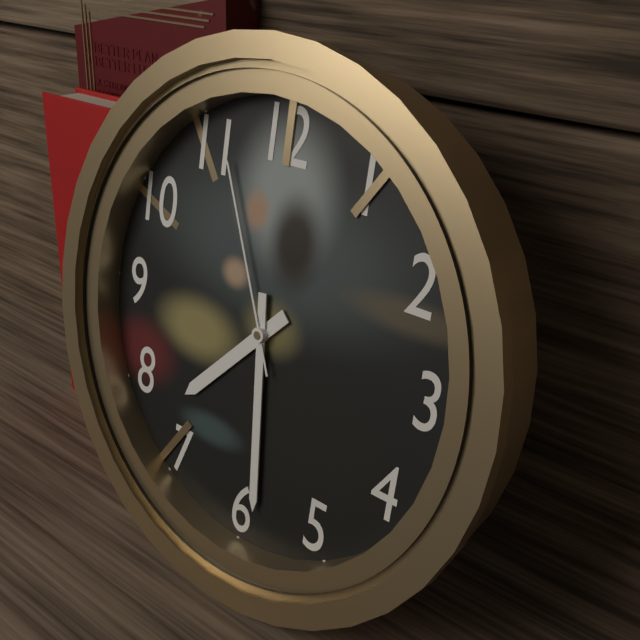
7:29:56
